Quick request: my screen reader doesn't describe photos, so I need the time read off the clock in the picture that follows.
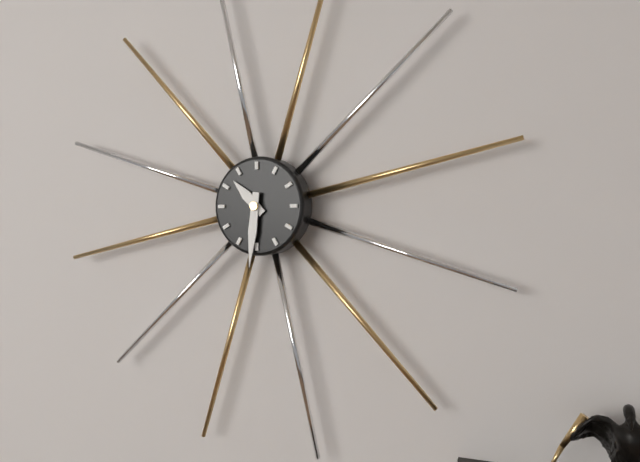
10:31
